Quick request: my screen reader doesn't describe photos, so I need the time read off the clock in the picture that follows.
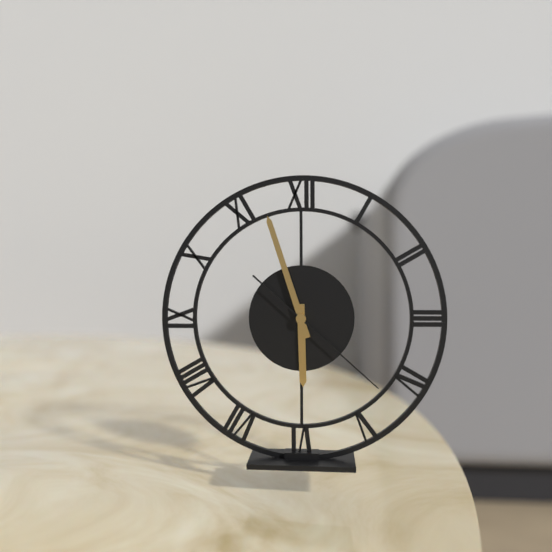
5:57:22
